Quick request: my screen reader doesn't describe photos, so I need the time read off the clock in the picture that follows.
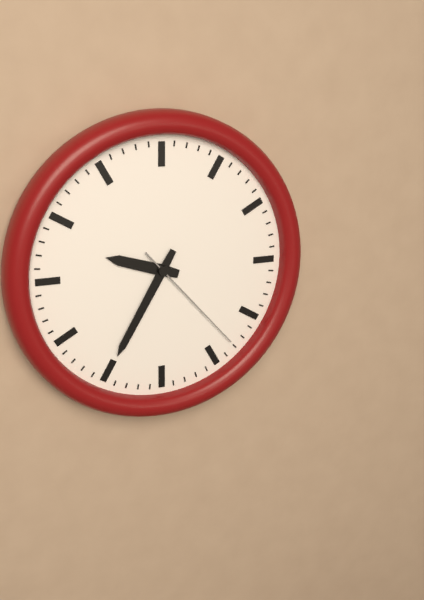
9:35:23
